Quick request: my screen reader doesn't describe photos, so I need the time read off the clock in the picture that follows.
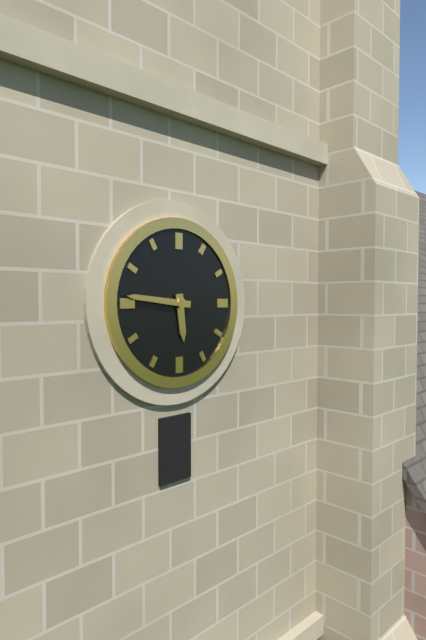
5:46
